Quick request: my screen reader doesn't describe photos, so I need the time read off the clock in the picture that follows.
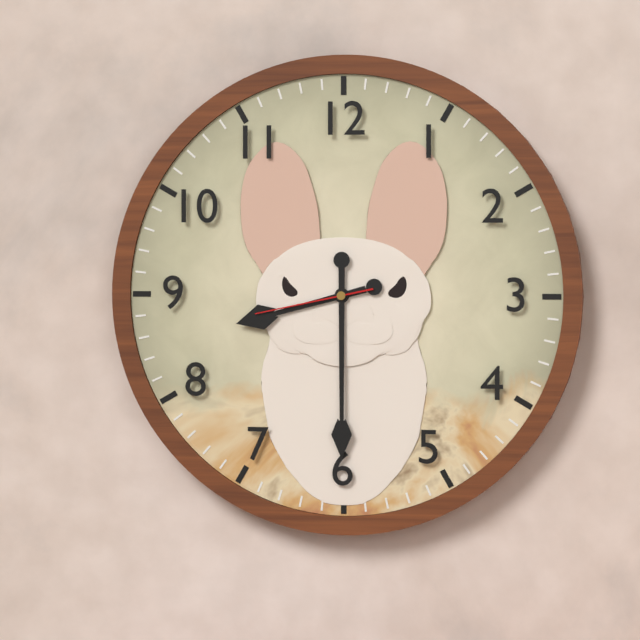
8:30:43
